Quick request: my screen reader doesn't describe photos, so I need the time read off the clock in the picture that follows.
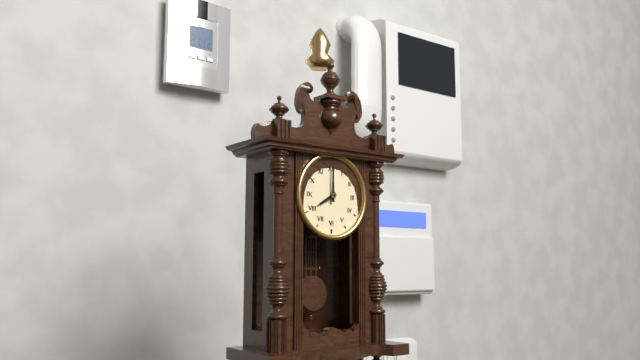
8:00
